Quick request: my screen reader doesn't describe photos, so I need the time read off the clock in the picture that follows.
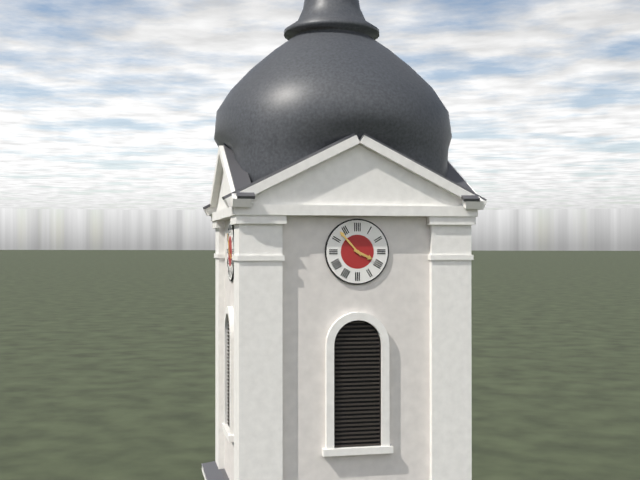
3:53
